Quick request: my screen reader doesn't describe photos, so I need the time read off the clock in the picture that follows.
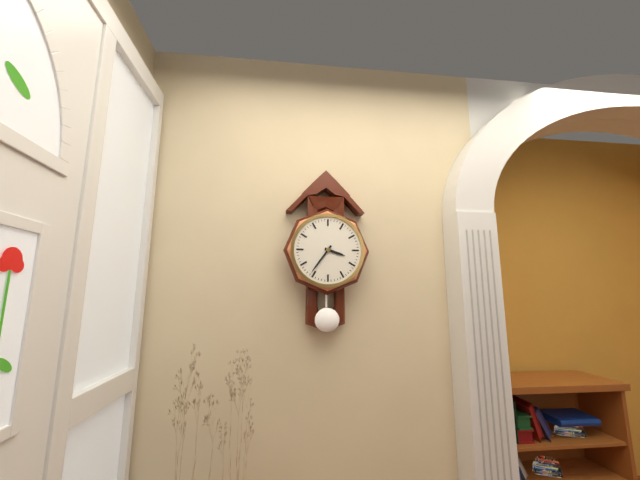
3:36
